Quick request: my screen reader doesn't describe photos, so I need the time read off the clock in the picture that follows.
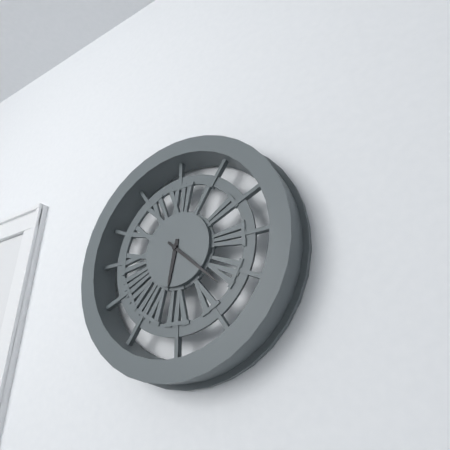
6:22
